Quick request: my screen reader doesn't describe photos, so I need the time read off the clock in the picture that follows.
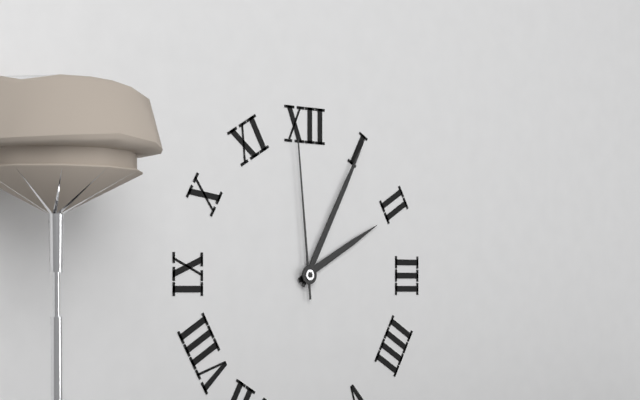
2:05:59
